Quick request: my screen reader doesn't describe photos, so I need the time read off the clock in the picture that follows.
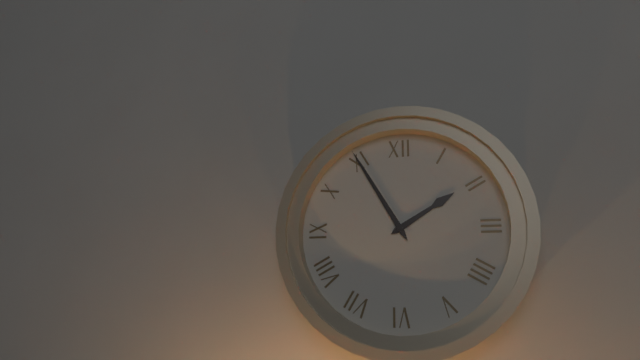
1:55
